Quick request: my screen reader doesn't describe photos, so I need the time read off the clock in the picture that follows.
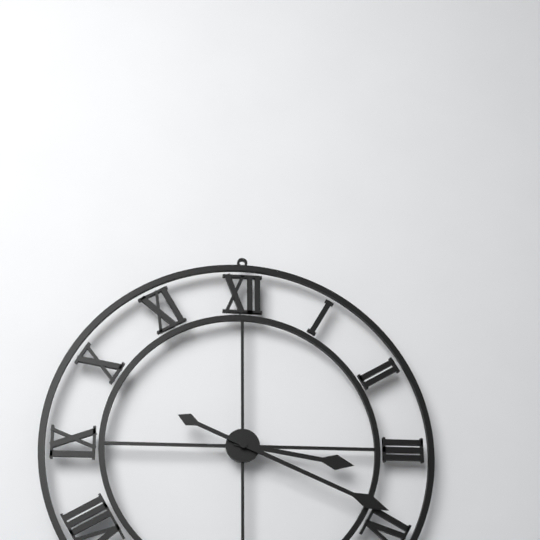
3:19
